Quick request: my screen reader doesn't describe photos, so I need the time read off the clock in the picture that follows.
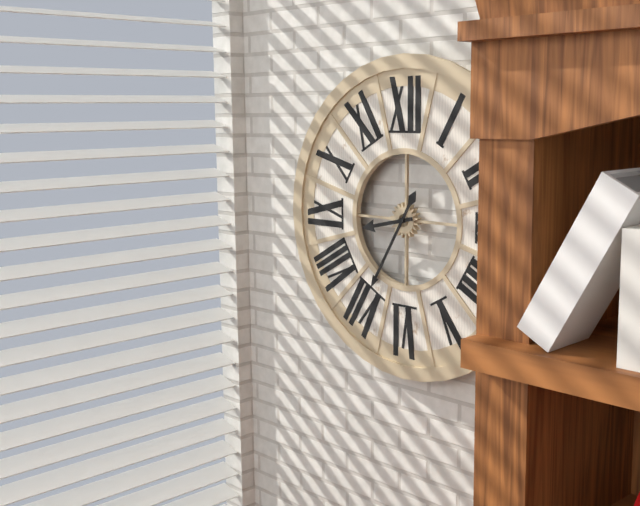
8:35
